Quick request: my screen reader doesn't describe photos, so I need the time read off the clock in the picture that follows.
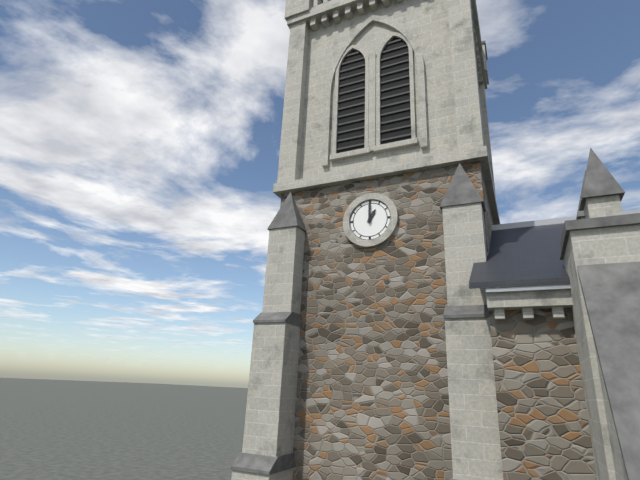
1:00
